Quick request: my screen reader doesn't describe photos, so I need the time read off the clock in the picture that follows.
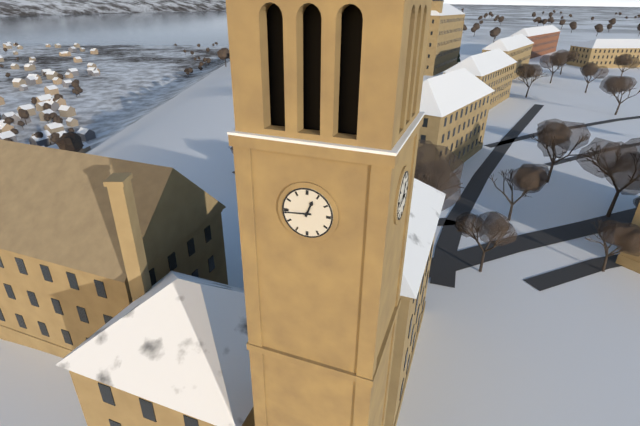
12:44
